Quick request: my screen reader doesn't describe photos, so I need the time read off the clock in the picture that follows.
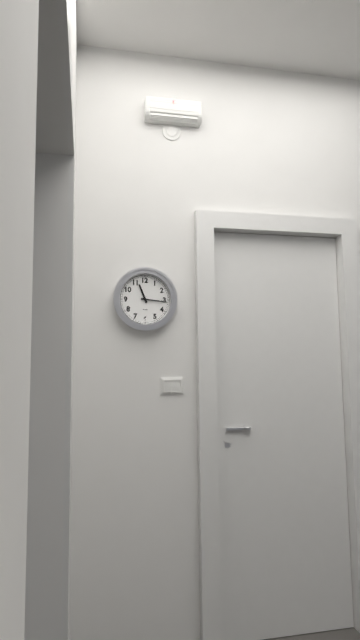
11:16
